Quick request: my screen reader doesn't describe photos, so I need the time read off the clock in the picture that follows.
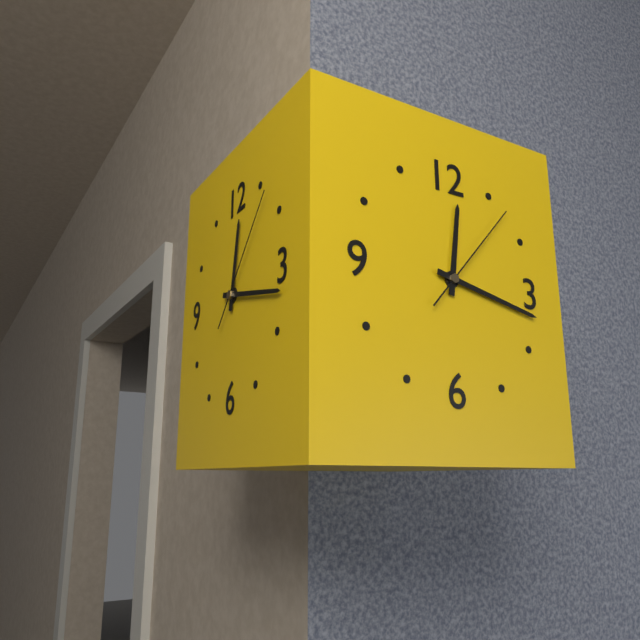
12:17:07
